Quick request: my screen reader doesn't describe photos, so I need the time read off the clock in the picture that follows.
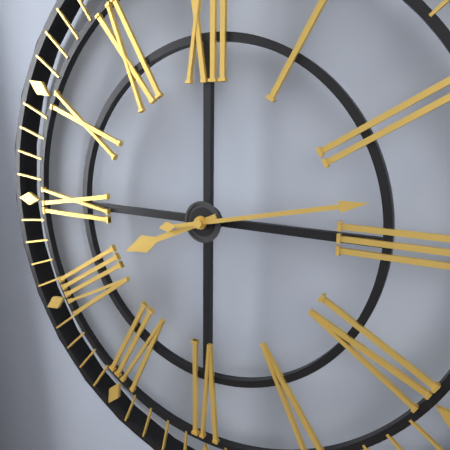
8:13
